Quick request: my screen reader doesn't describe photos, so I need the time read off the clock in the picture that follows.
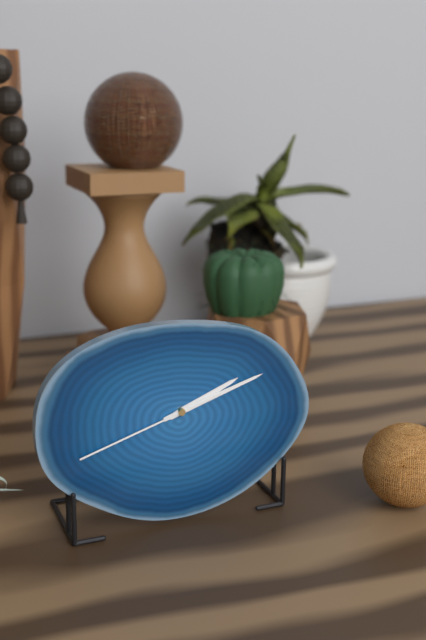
2:12:42
